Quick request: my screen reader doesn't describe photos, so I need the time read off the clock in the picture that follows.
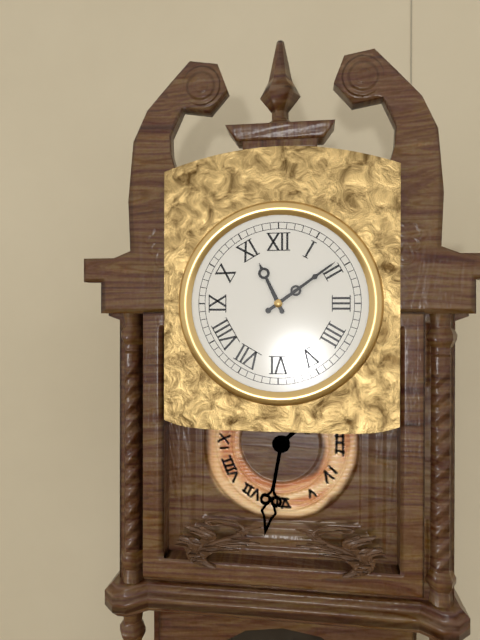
11:09
